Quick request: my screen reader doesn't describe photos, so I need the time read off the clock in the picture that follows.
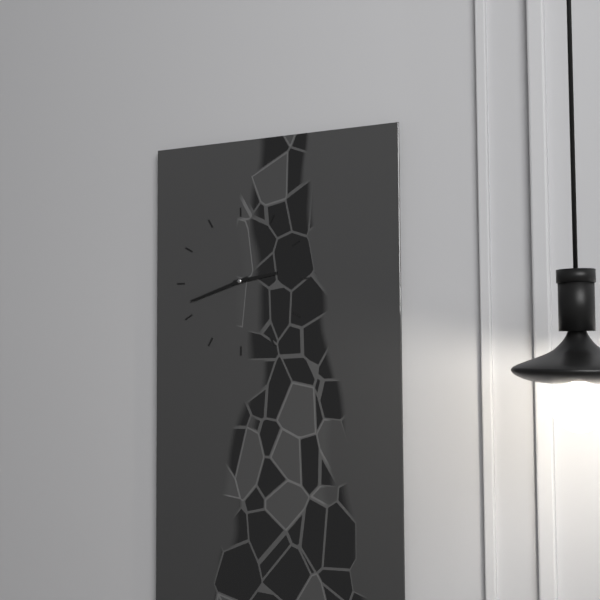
2:42
